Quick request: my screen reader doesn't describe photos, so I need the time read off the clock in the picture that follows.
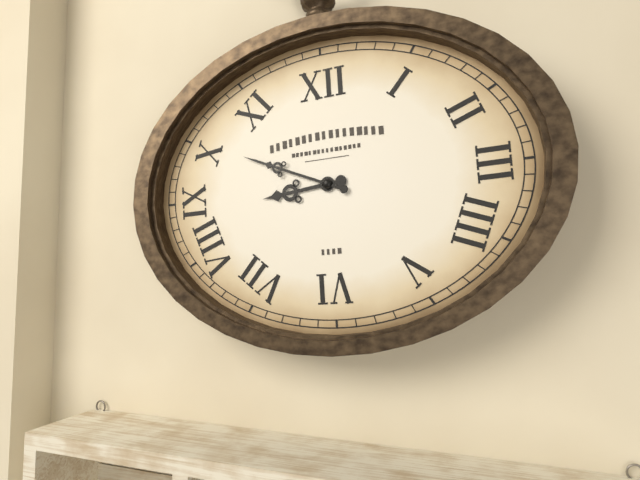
8:49
